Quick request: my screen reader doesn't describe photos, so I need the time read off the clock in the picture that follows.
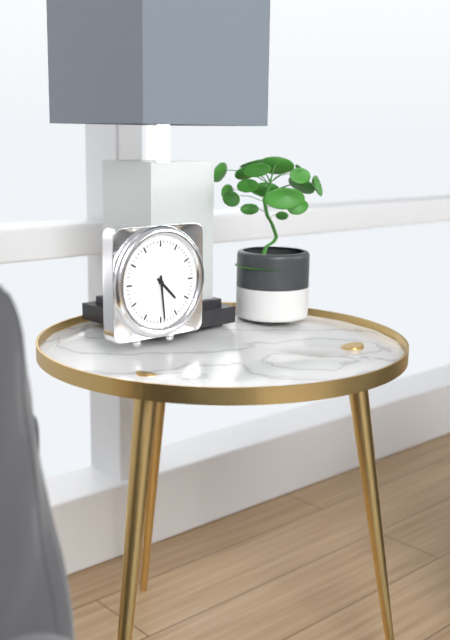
4:29
